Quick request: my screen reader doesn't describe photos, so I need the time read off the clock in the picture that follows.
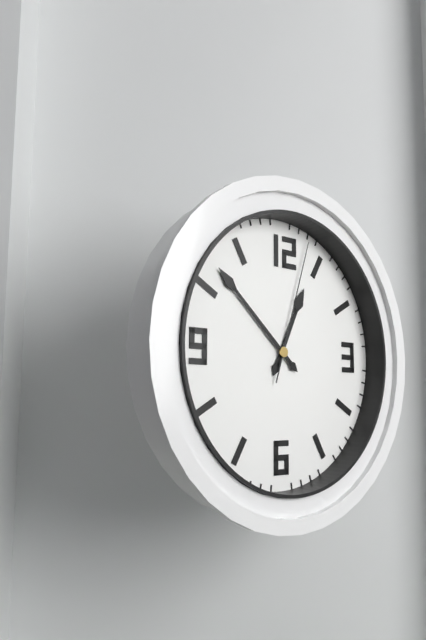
12:52:03
